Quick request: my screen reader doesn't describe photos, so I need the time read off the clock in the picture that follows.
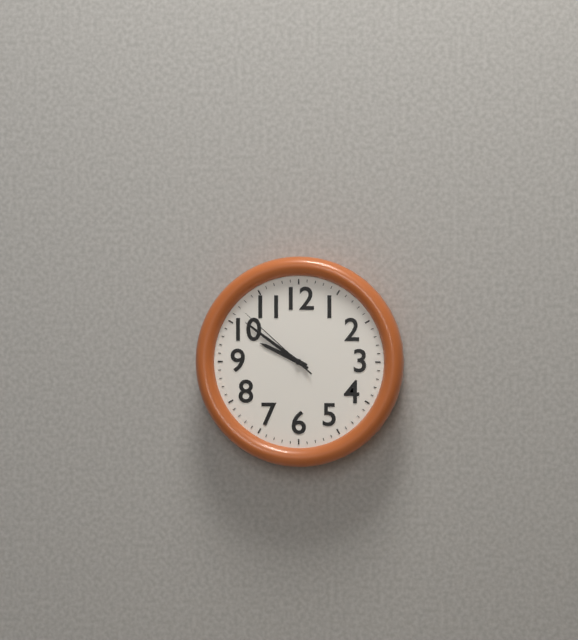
9:51:52
